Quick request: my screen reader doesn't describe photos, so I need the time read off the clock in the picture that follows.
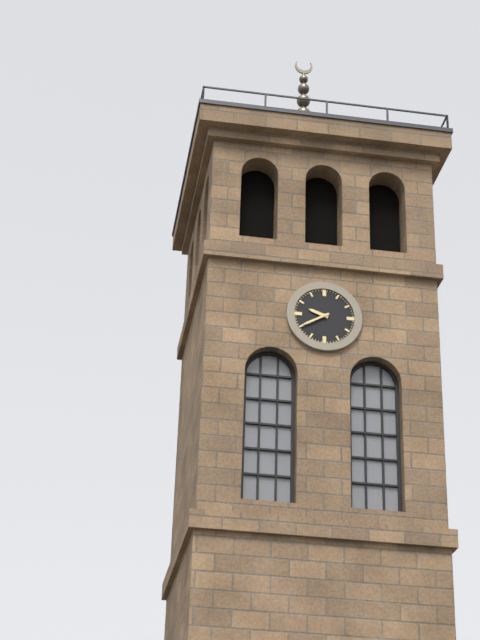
9:40
